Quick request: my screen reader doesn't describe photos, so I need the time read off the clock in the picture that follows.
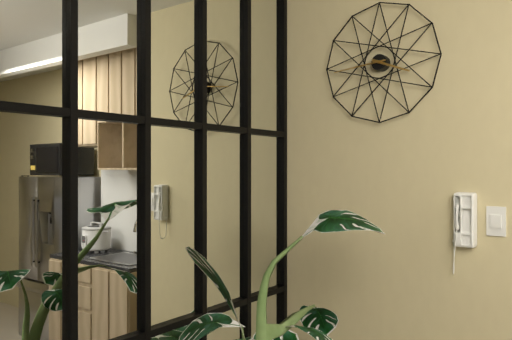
3:44
